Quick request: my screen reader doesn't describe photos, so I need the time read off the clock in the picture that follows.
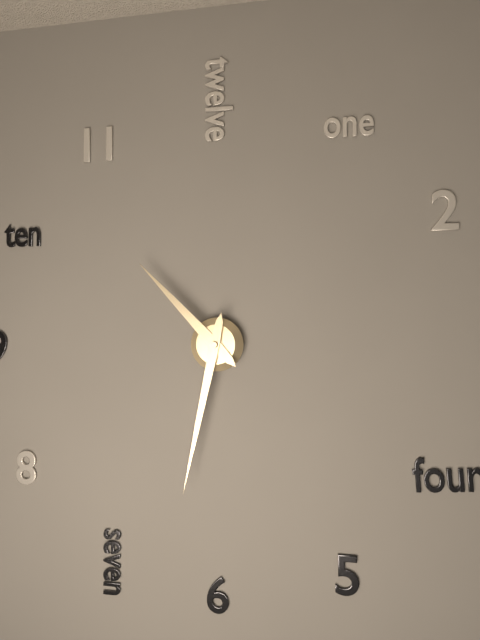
10:32
